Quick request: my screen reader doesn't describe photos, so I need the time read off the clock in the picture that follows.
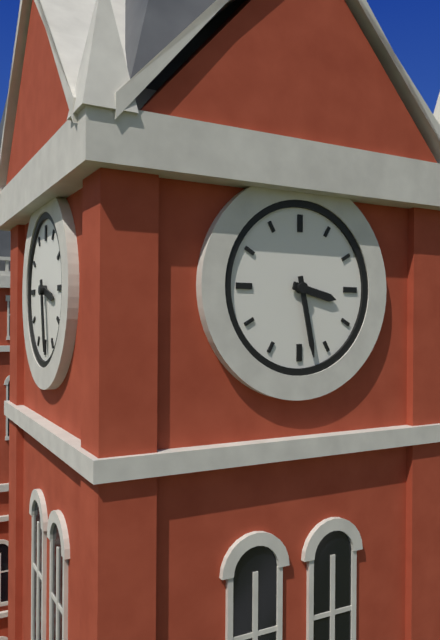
3:28
